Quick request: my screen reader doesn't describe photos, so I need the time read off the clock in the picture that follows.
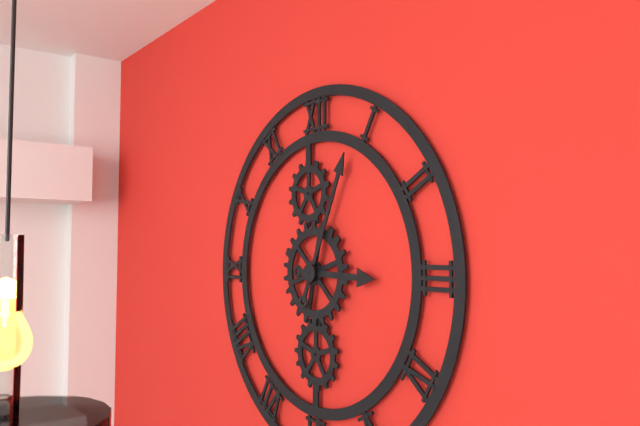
3:04
